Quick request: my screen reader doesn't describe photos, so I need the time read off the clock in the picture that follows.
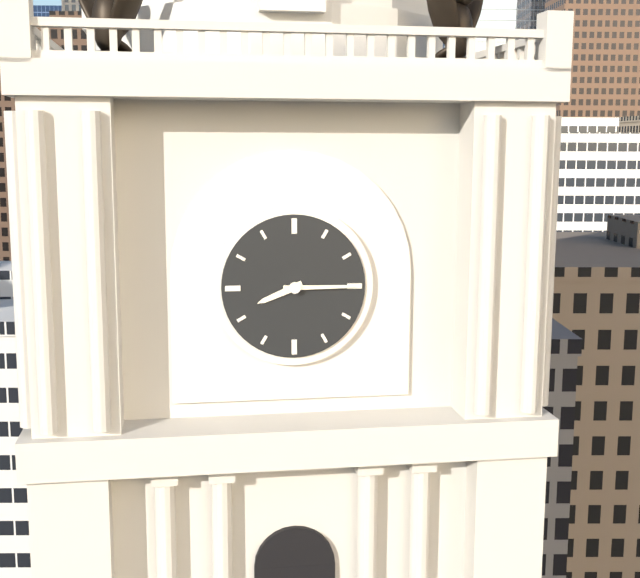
8:15
